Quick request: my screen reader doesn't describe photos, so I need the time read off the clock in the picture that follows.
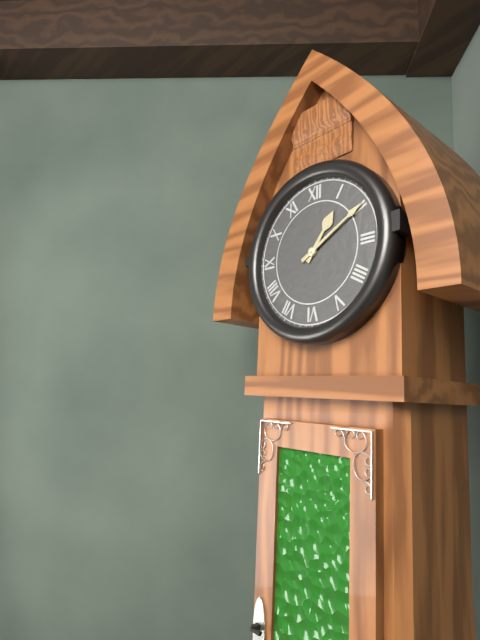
1:10
